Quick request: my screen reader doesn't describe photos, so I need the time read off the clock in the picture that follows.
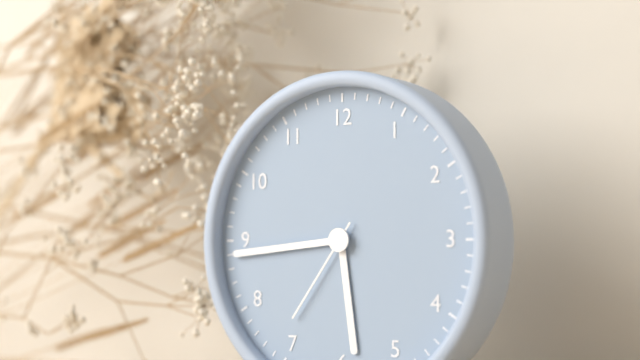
5:44:36
